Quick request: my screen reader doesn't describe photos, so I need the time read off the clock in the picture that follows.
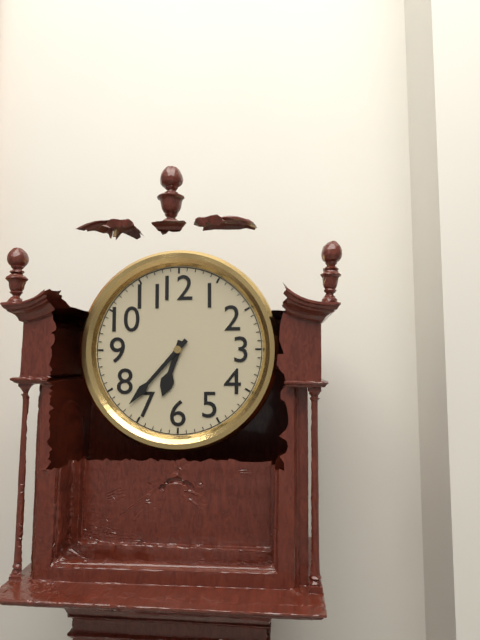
6:37
